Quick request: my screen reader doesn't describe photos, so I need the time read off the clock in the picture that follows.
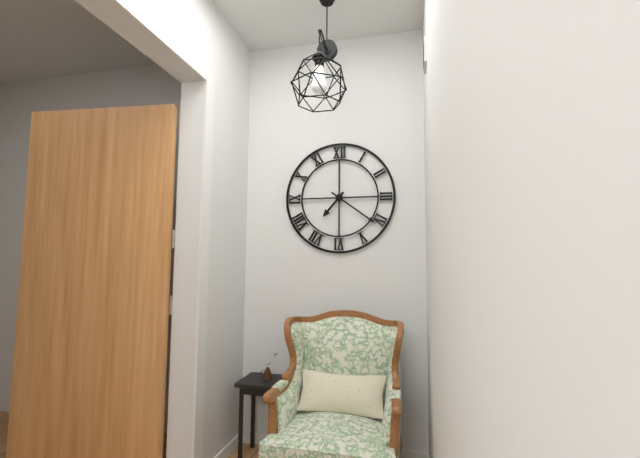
7:21
